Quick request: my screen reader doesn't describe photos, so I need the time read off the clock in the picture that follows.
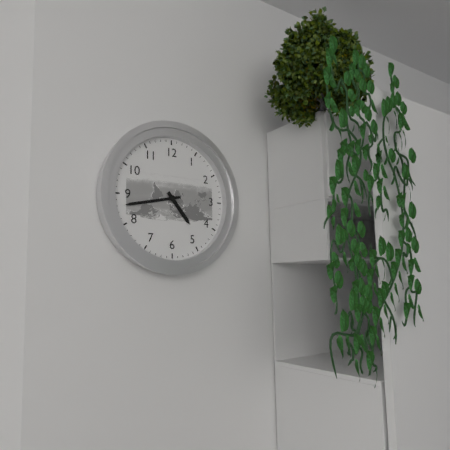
4:43
